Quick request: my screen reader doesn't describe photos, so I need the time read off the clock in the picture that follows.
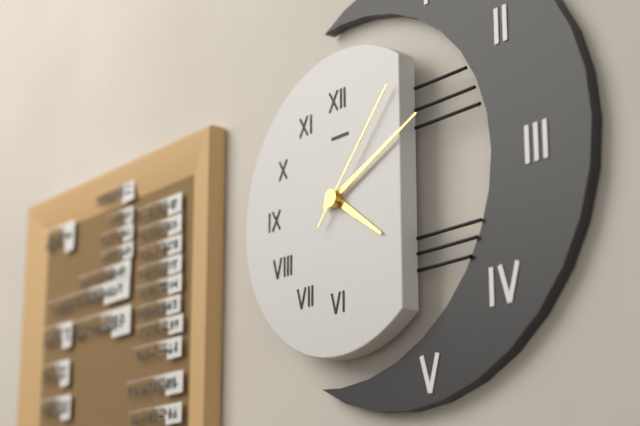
4:11:07
